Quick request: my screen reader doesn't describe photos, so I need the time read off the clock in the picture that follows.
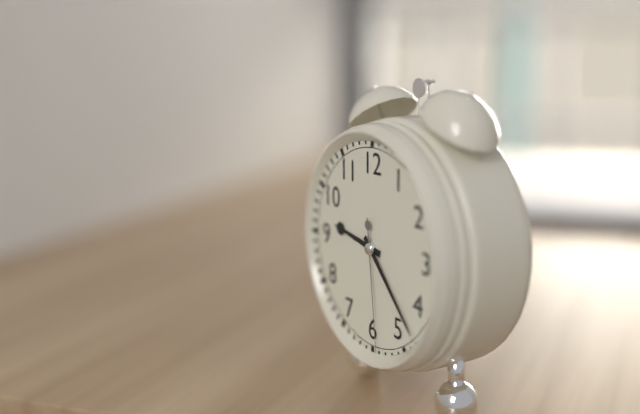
9:23:29
